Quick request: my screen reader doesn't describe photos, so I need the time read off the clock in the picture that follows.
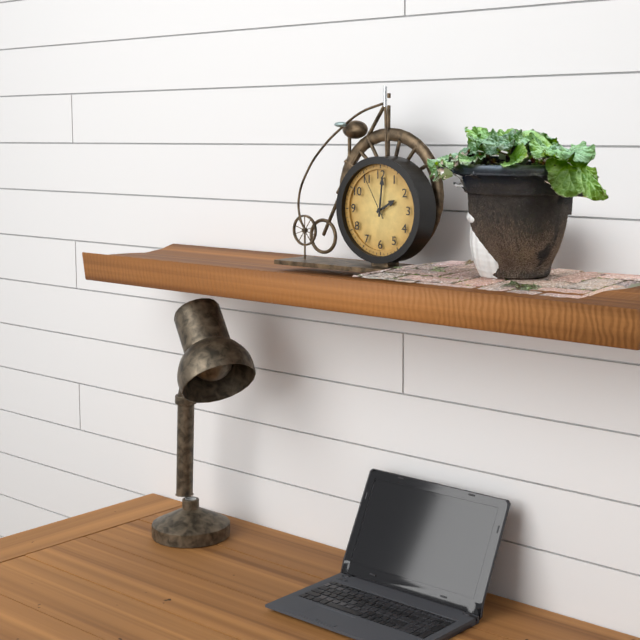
2:01
